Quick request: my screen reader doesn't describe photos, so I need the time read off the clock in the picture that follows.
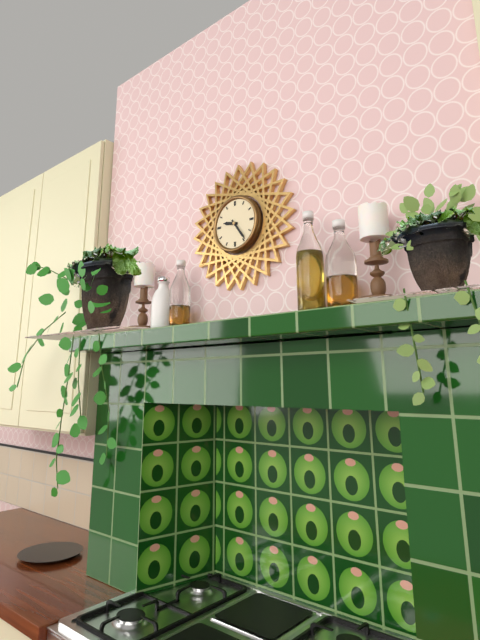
9:24
